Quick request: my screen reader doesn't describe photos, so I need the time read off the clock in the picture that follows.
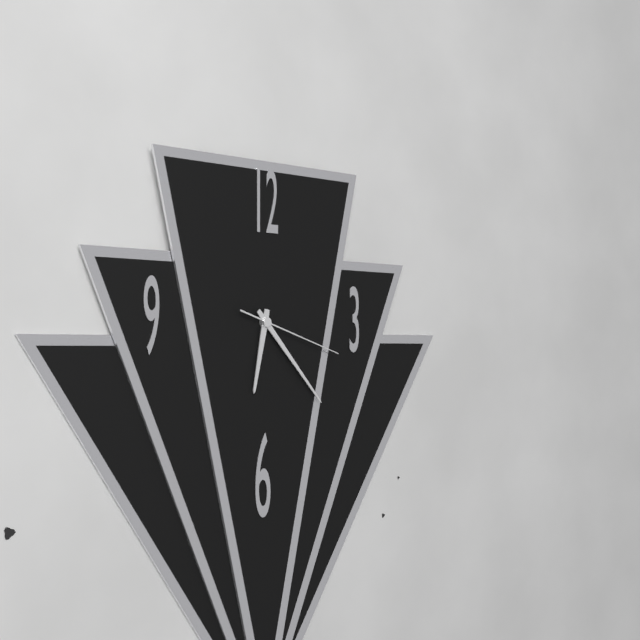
6:23:18
